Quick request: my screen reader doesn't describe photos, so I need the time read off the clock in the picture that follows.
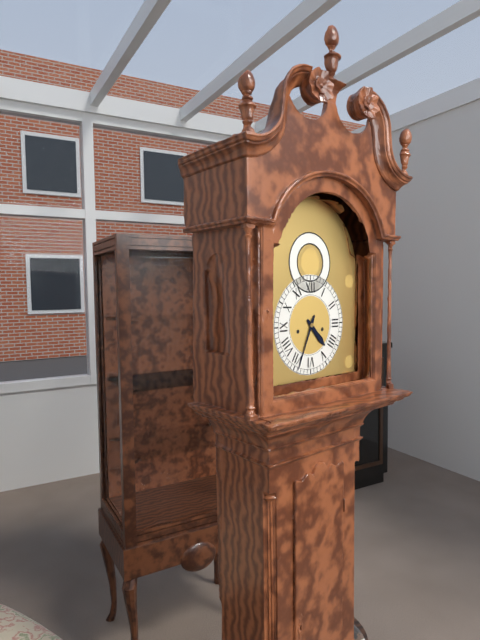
4:34
